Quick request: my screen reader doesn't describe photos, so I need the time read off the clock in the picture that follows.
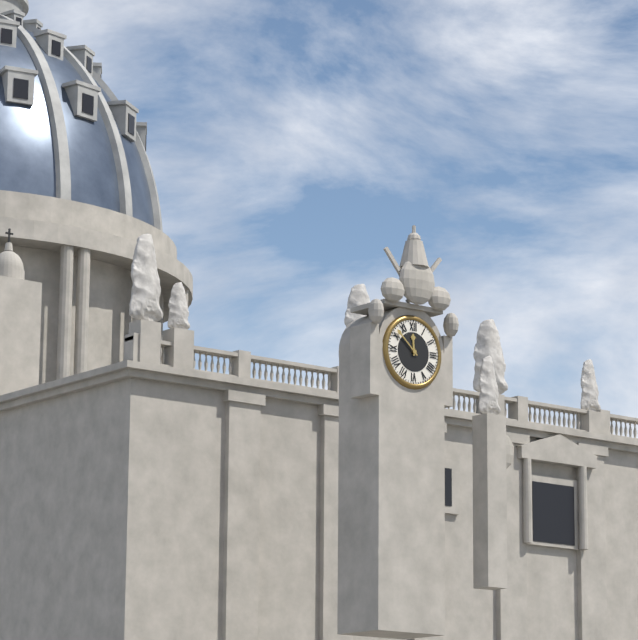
11:52
